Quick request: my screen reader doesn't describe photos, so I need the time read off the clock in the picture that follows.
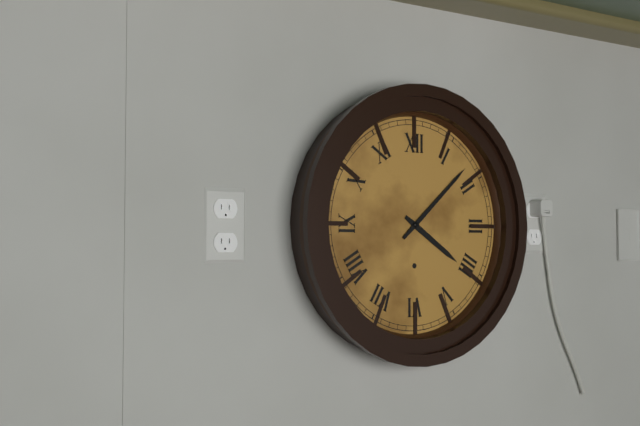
4:08
